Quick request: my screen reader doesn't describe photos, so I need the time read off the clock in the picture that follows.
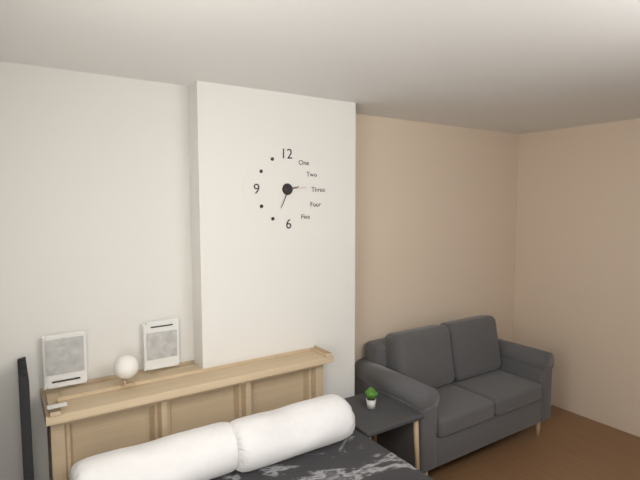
2:34
